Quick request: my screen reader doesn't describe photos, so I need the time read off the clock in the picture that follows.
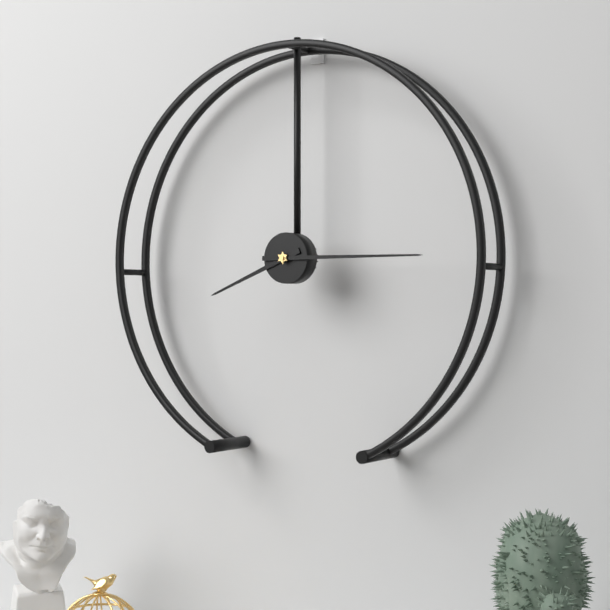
8:15
